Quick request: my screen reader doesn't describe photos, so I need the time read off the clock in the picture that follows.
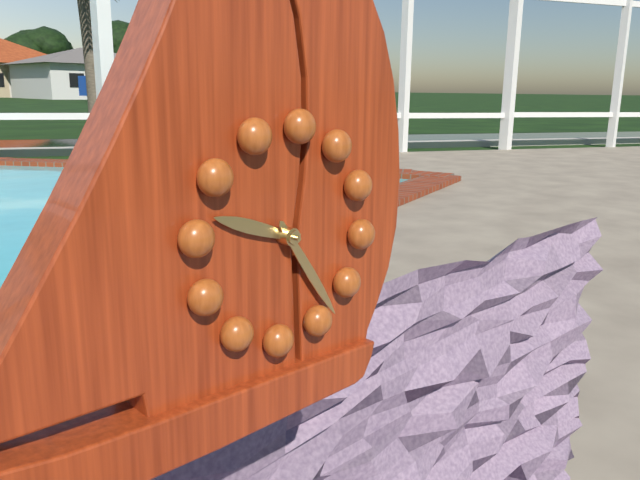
9:23
